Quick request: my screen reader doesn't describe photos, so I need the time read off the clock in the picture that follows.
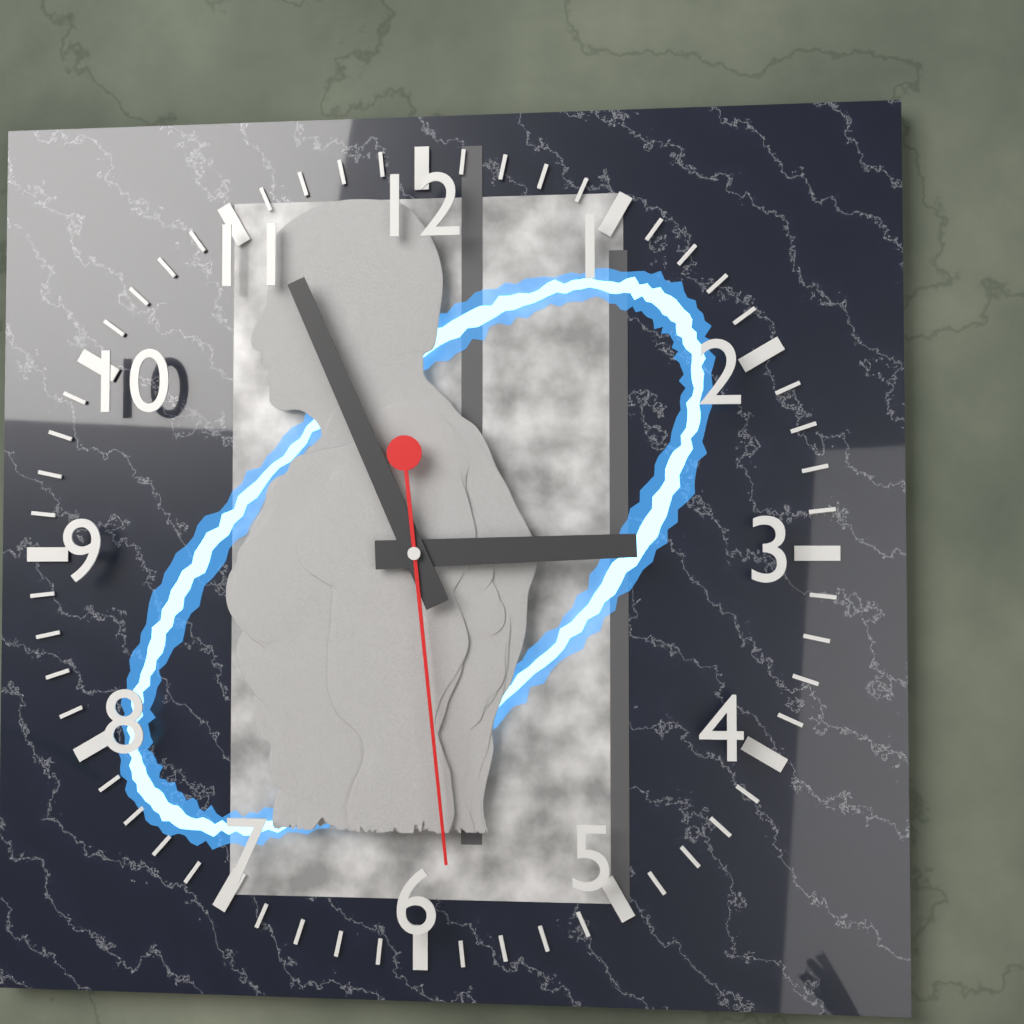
2:56:29
